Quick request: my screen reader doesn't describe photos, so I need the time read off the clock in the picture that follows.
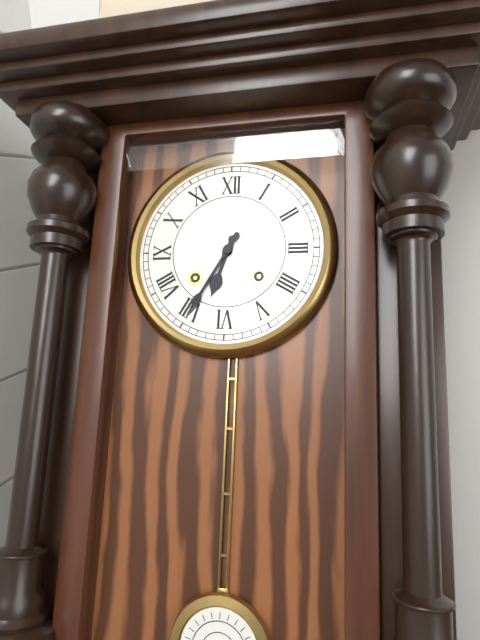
6:35
